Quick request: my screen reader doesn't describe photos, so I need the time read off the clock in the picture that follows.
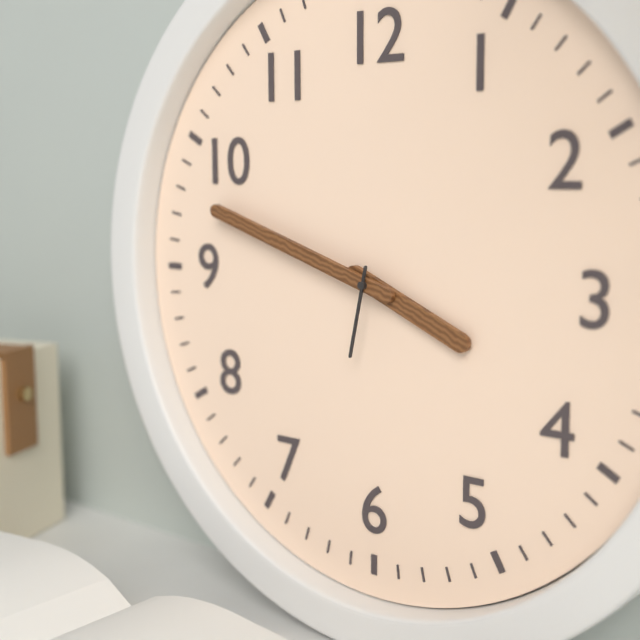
3:48:32
